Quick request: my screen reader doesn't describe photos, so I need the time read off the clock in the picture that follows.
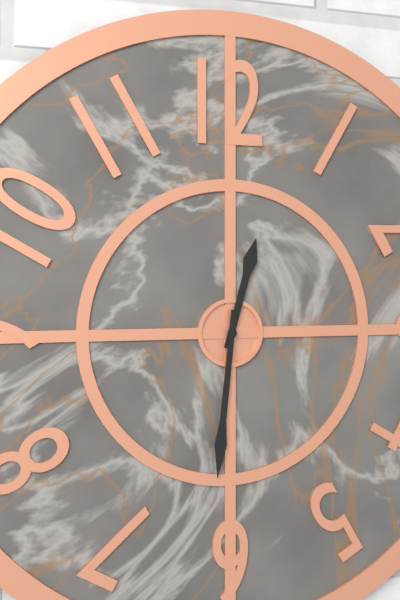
12:31
